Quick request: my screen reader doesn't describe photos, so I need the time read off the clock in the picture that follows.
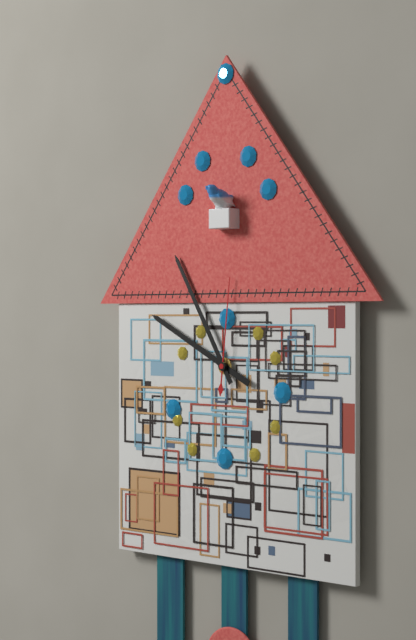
9:55:01
